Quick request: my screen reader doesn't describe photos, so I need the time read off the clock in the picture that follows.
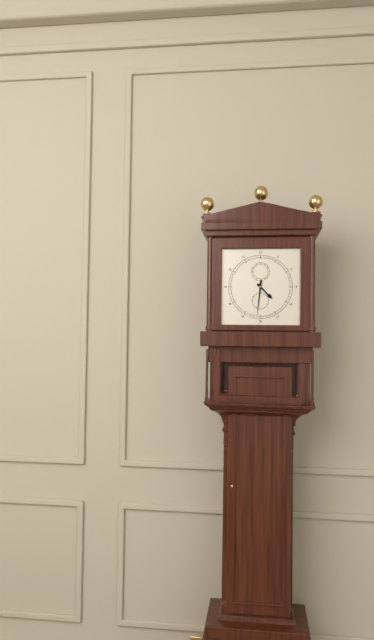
4:31
